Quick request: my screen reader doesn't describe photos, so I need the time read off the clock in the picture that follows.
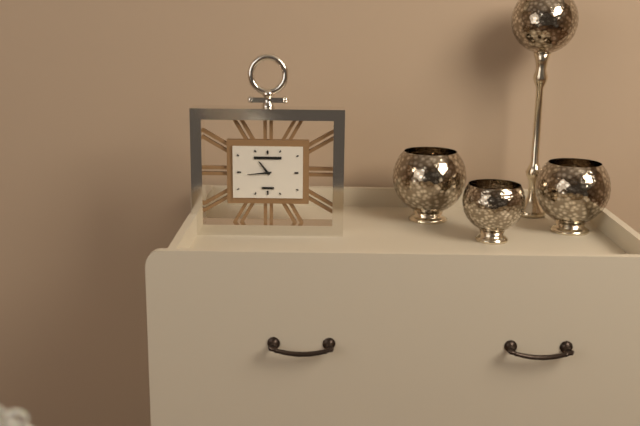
10:44
